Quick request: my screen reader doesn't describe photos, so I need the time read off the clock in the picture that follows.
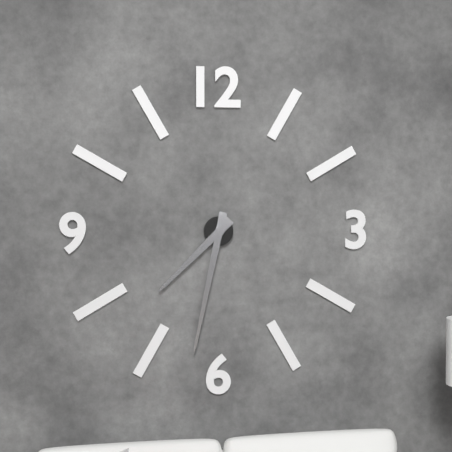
7:32
